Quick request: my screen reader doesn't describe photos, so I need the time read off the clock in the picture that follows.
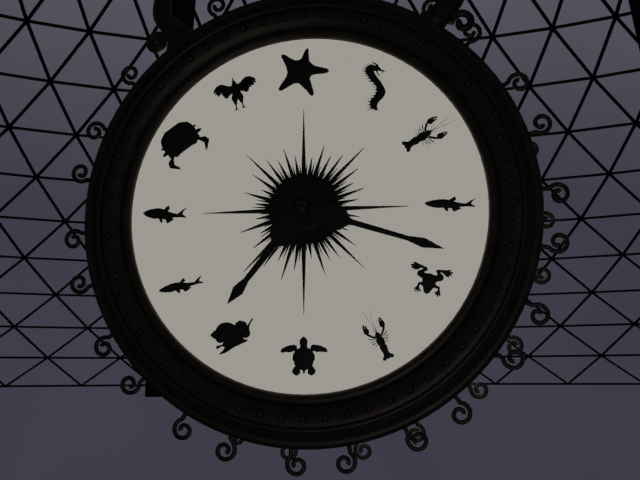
7:18
